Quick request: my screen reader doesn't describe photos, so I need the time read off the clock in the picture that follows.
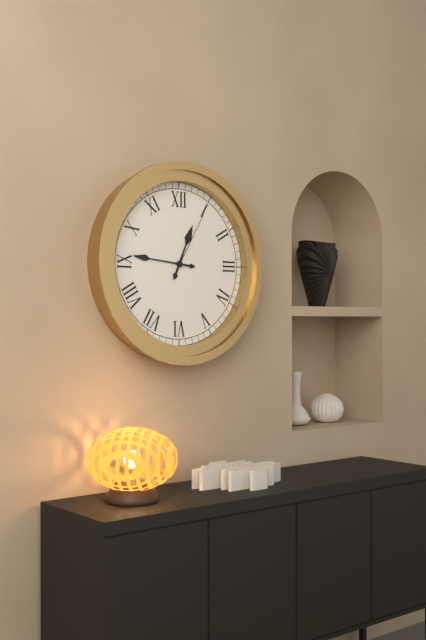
12:46:05
